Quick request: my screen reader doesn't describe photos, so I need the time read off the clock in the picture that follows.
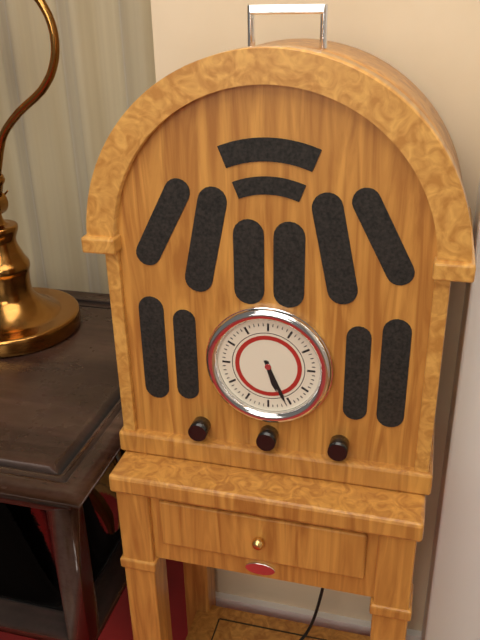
5:26
